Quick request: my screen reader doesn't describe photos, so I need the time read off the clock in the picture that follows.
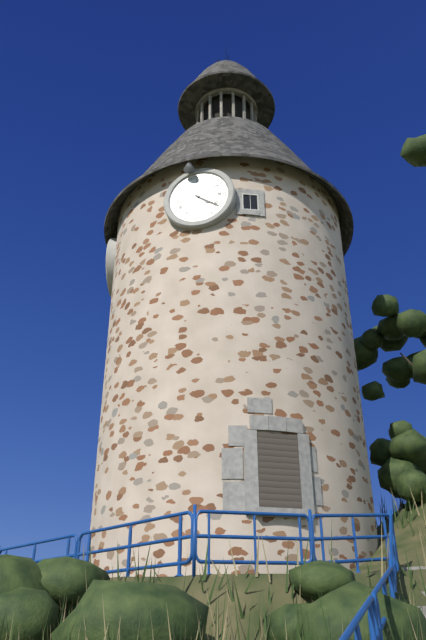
4:21
